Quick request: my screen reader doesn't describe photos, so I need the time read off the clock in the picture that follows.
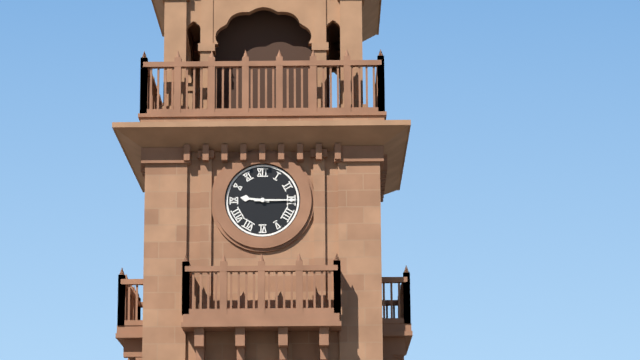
9:15
